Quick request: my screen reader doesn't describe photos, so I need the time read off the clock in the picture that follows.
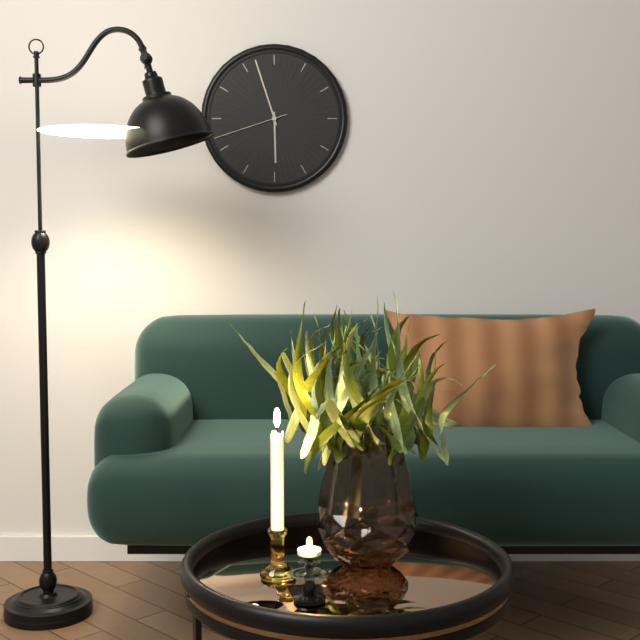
5:57:42
